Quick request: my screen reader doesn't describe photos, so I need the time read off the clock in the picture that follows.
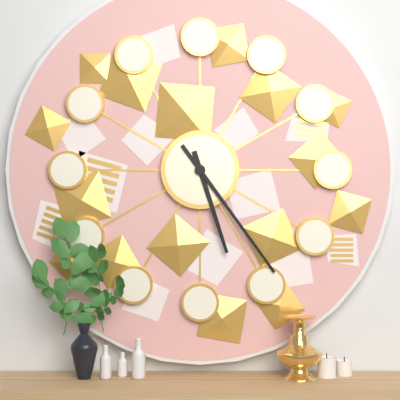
5:24
